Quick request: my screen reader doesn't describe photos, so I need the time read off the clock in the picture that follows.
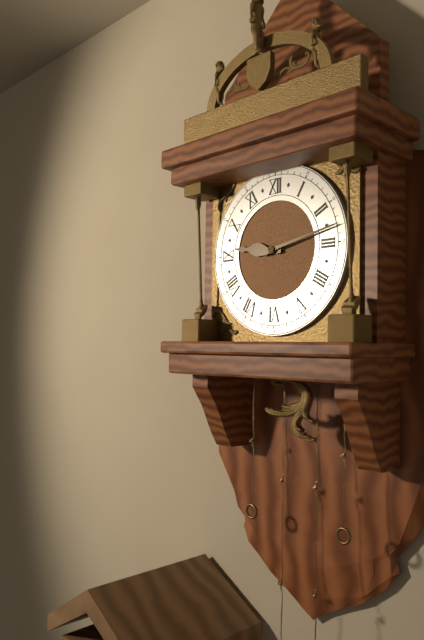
9:13
